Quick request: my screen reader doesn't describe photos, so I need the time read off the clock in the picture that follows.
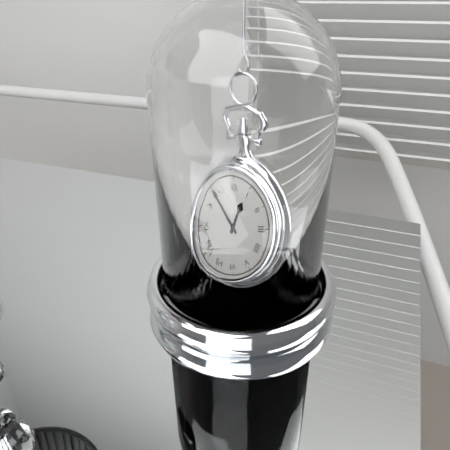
12:53
